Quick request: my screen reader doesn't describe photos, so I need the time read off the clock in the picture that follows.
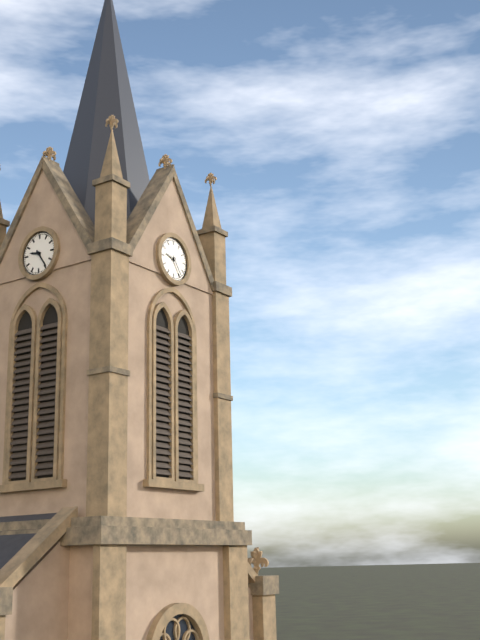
9:24
